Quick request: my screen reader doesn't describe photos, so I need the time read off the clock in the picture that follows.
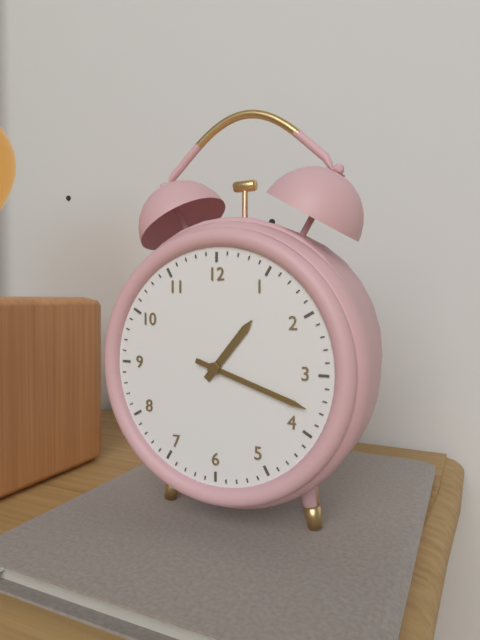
1:18
